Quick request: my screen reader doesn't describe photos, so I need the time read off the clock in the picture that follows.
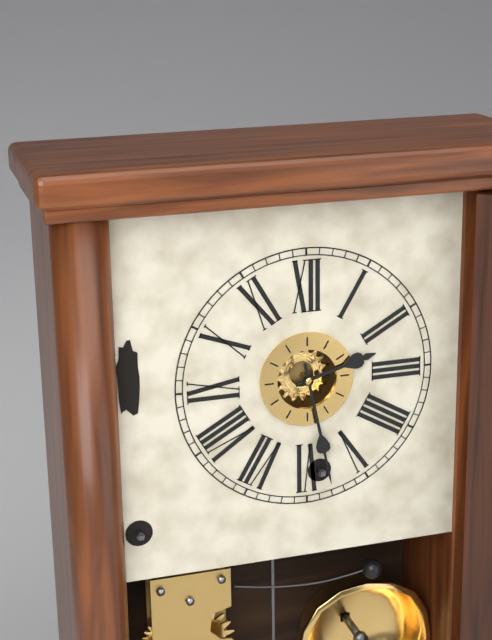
2:28
